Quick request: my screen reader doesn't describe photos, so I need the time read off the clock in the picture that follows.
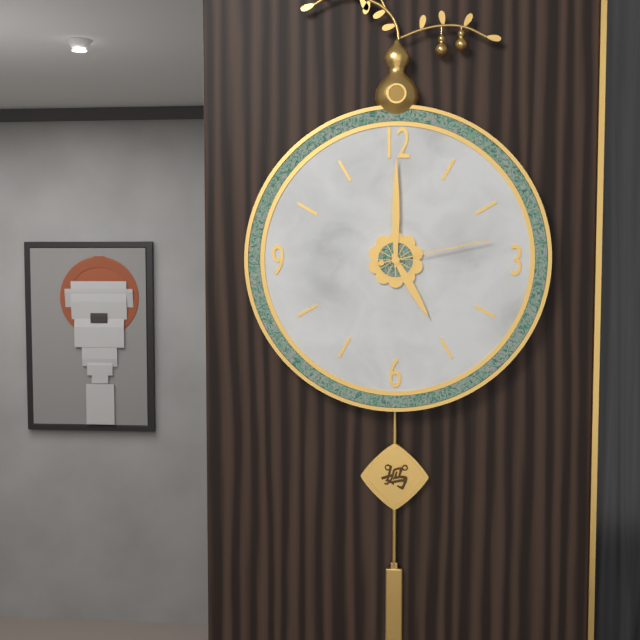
5:00:13
